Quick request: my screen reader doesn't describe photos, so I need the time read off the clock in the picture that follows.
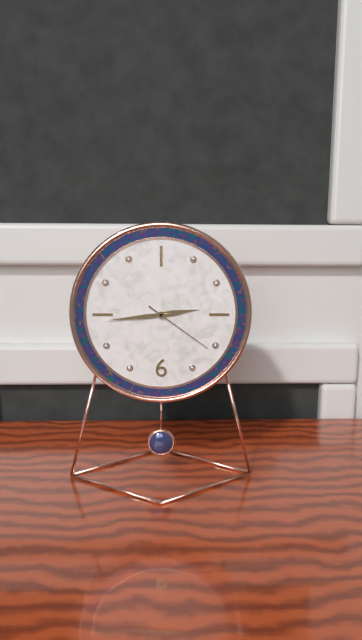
2:44:21
